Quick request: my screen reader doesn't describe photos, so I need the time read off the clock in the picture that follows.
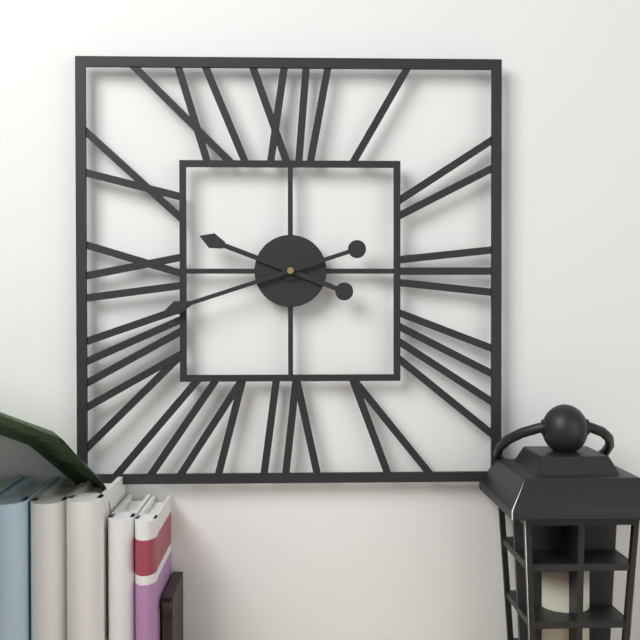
9:42
